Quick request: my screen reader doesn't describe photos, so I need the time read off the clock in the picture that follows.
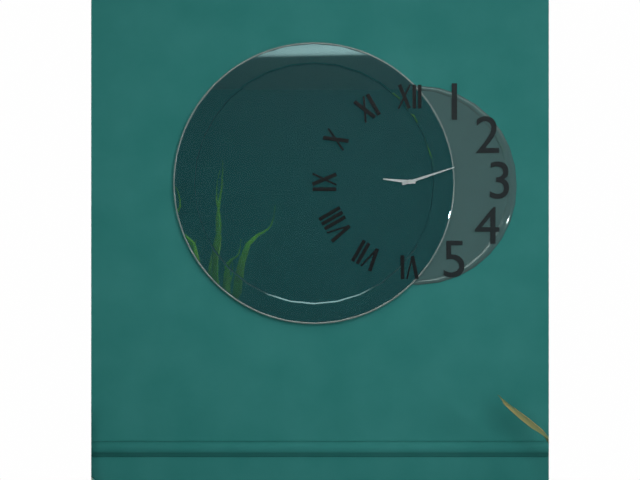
9:12
